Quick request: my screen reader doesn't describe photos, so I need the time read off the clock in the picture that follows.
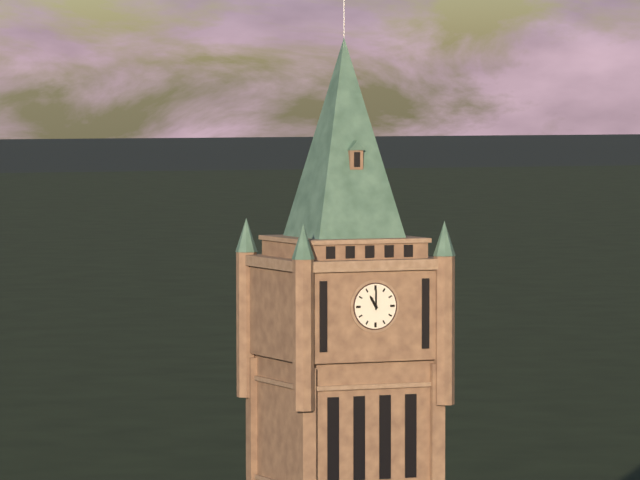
11:00
